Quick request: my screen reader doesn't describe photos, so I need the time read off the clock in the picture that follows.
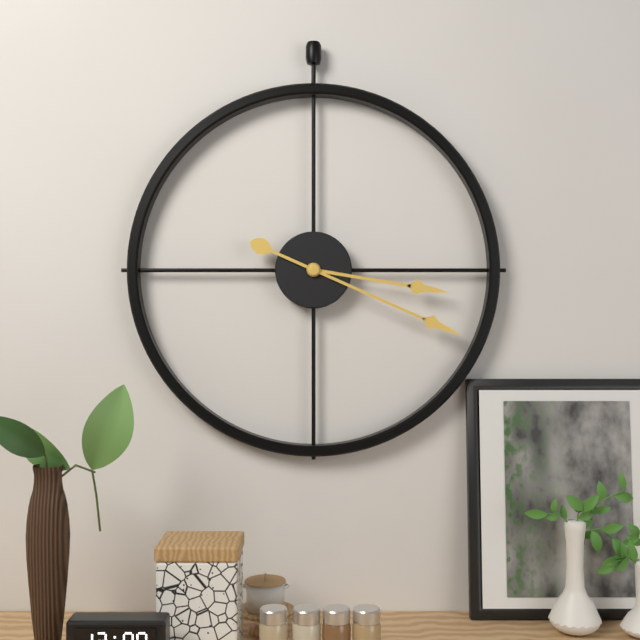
3:19
